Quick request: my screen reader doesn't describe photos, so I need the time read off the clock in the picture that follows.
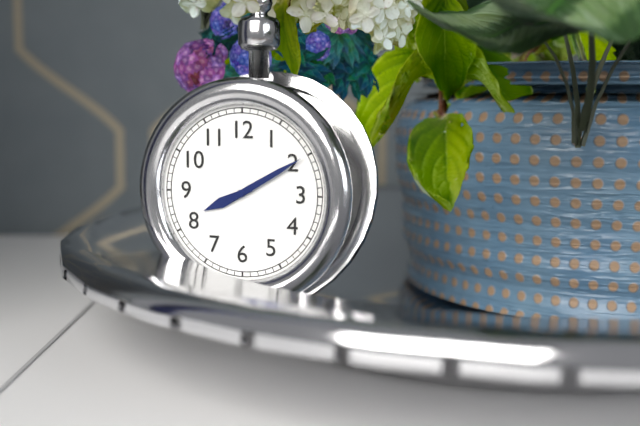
8:10
